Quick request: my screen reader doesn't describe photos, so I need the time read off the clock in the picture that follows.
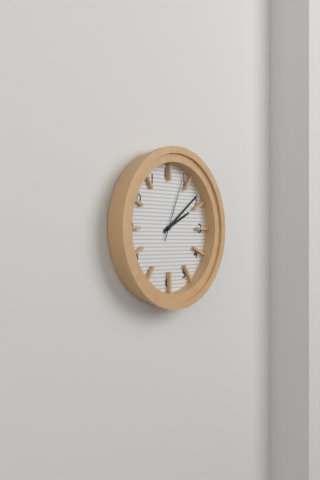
2:09:04
